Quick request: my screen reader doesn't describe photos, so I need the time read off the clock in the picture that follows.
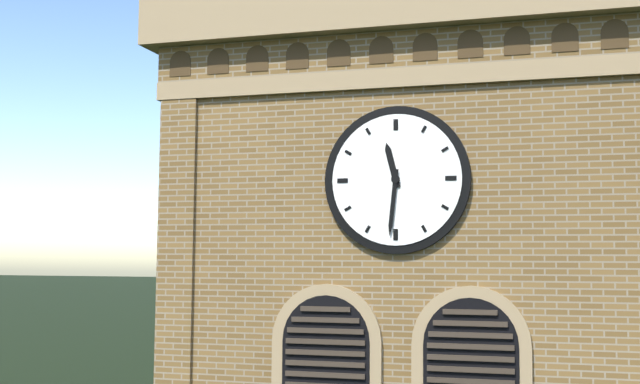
11:31
